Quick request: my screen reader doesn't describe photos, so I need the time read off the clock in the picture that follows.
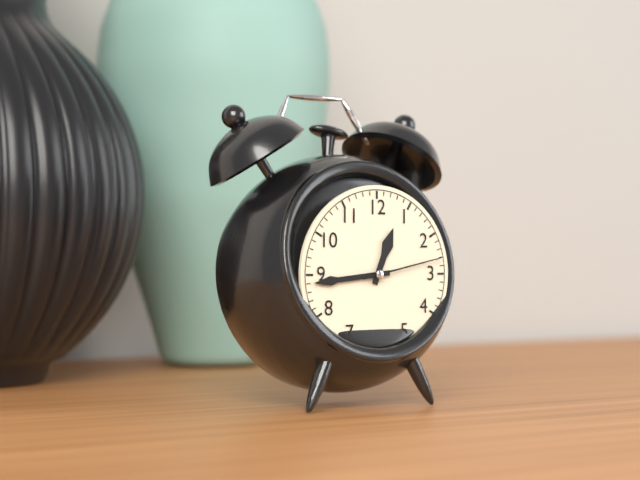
12:44:13
